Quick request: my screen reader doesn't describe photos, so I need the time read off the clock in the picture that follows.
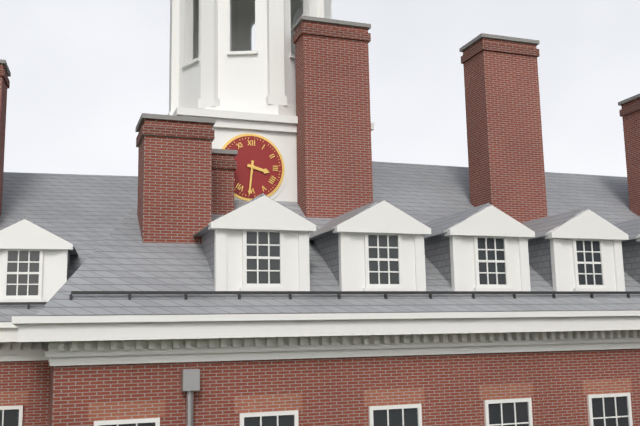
3:31
